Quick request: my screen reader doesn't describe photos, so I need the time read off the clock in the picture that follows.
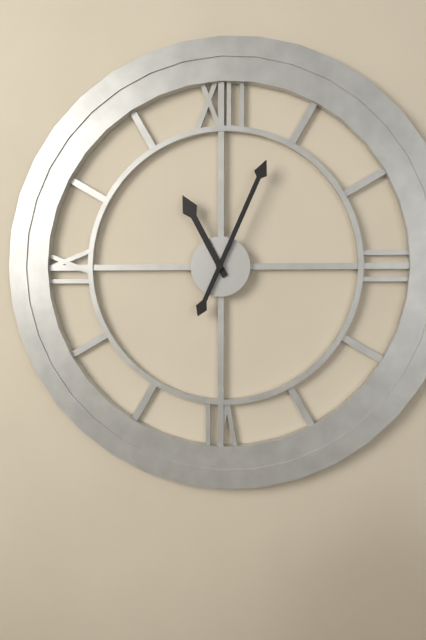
11:04
